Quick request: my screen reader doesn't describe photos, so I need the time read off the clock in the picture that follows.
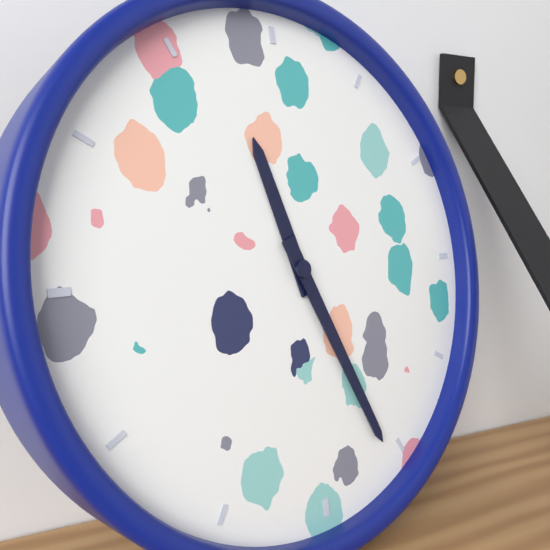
11:26
